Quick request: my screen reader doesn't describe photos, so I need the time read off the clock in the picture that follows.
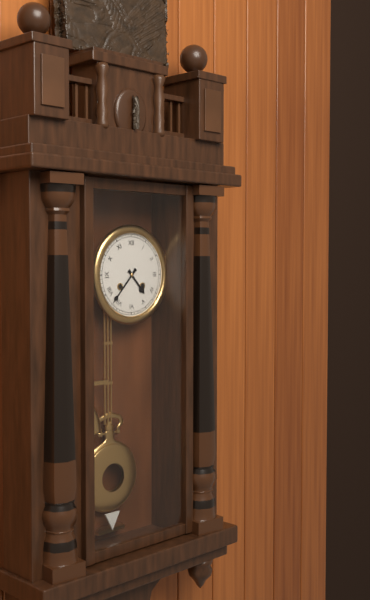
4:37
